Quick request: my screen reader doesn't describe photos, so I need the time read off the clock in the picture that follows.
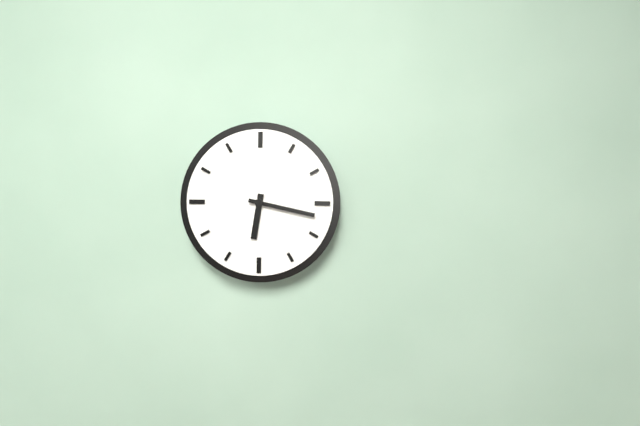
6:17
